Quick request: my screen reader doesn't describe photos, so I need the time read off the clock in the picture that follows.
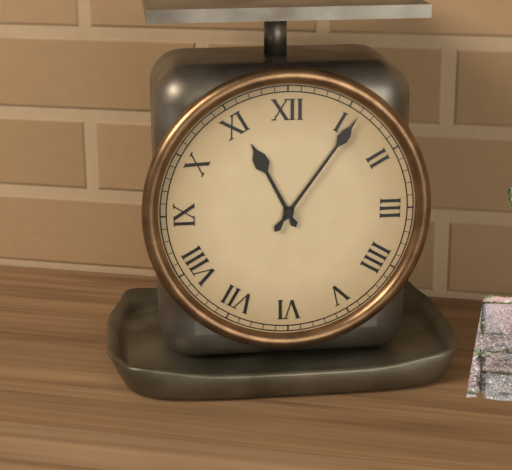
11:06
